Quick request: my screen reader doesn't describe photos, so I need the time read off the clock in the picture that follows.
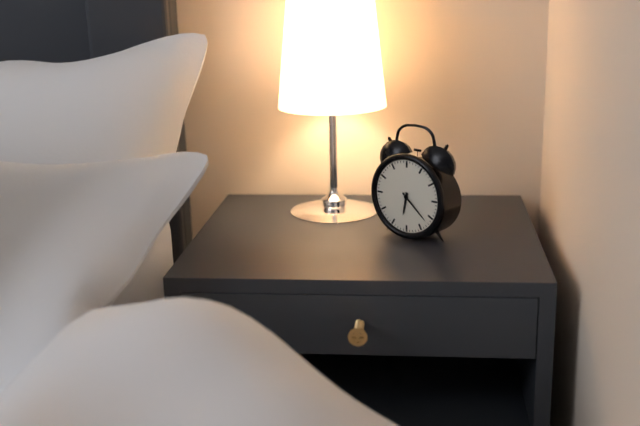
6:22
